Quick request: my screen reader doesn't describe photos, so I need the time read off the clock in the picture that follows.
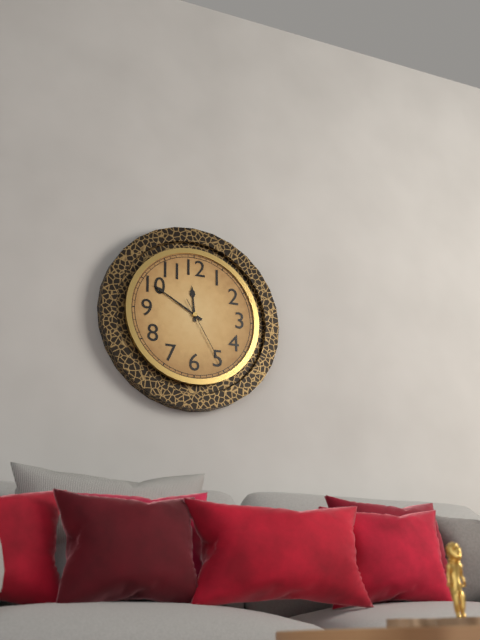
11:50:25
